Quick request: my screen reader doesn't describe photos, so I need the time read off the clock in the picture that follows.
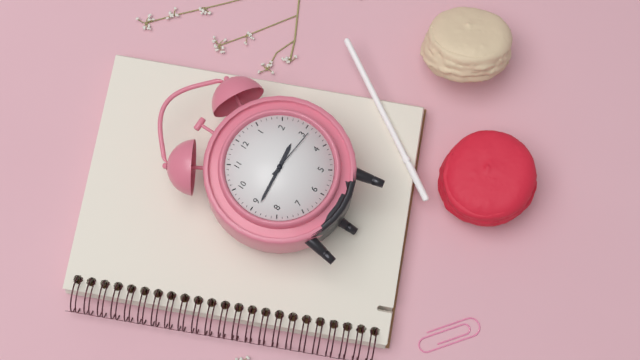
2:44:16
